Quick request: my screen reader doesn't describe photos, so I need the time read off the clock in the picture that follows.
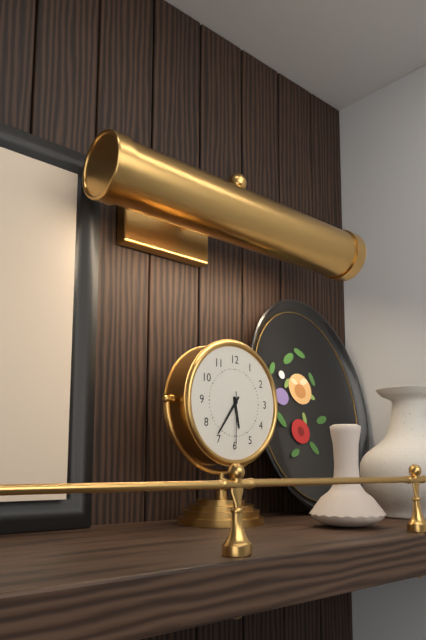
5:36:30
